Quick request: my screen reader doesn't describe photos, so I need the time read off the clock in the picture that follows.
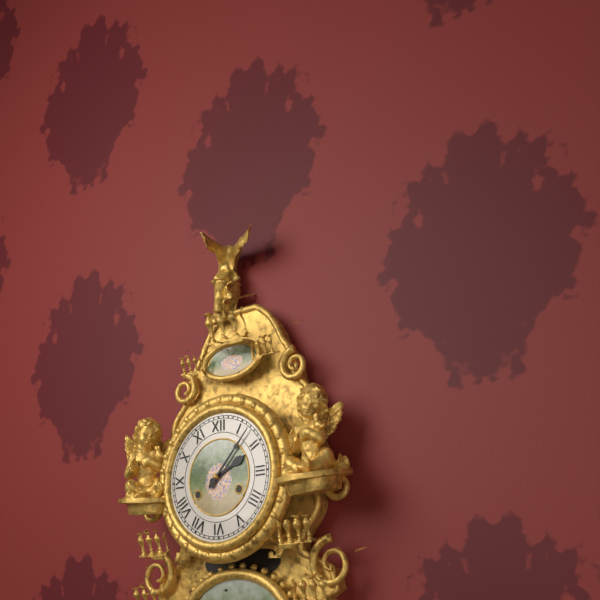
2:07
